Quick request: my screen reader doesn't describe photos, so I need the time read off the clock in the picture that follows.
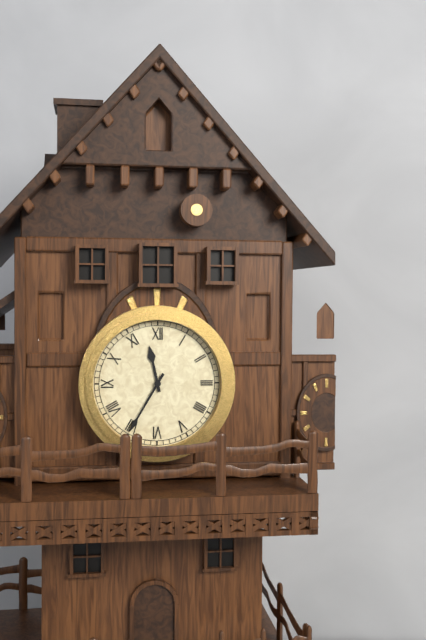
11:35
